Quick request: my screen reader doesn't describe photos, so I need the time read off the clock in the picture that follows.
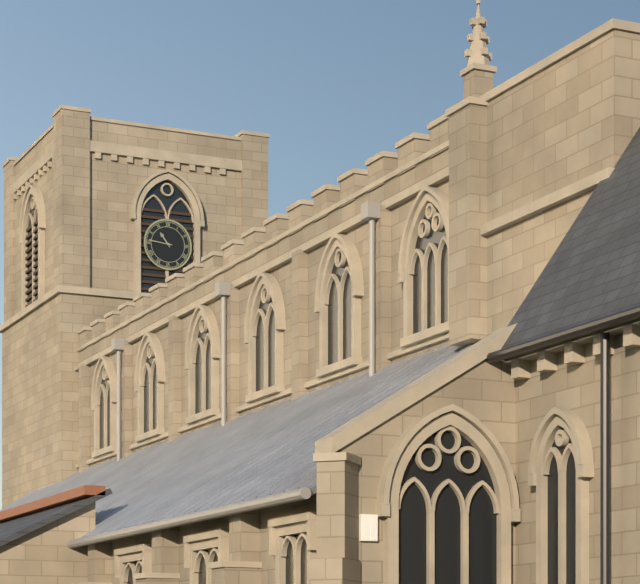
10:46
